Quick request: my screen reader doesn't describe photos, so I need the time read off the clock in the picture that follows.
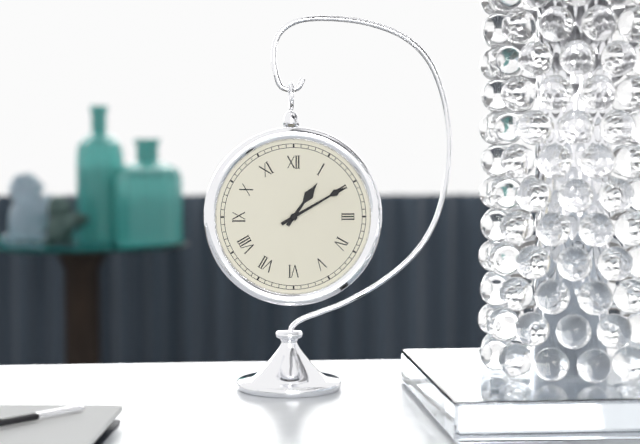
1:10
